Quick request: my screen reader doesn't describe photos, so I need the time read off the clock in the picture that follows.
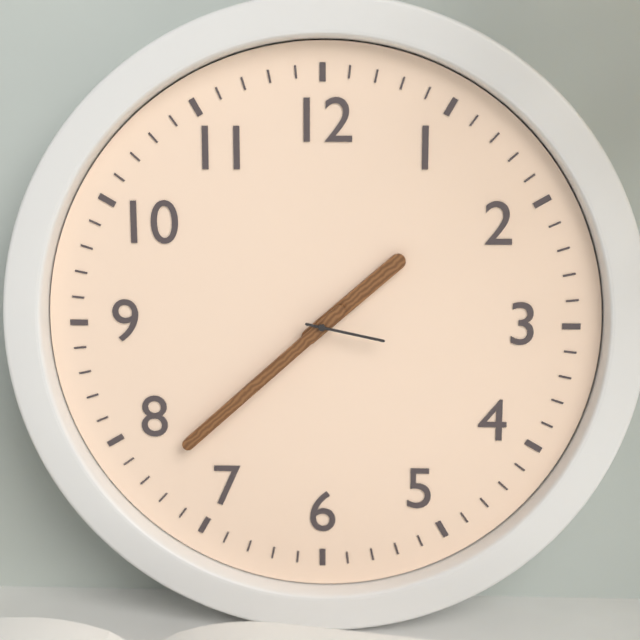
1:38:17
